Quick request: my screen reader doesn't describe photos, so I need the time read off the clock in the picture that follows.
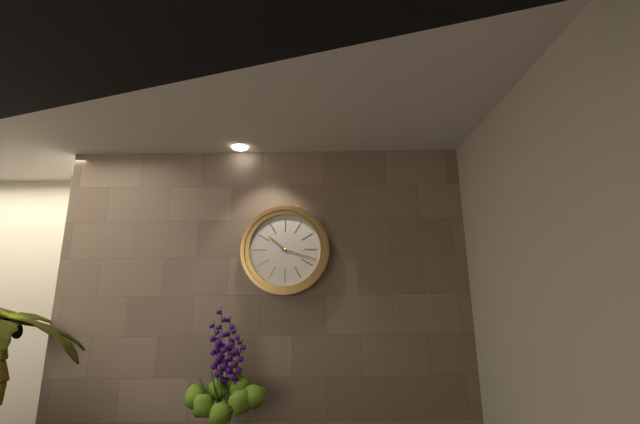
10:18
